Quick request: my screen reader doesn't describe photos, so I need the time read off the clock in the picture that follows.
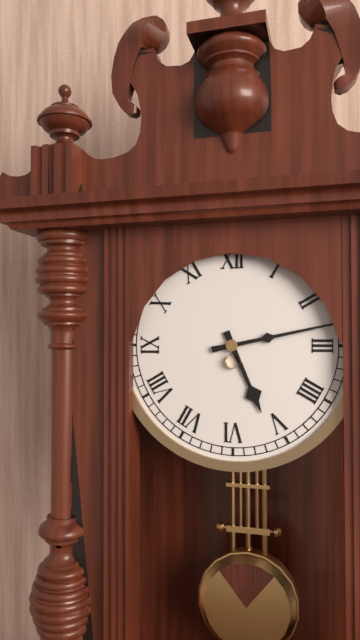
5:13
